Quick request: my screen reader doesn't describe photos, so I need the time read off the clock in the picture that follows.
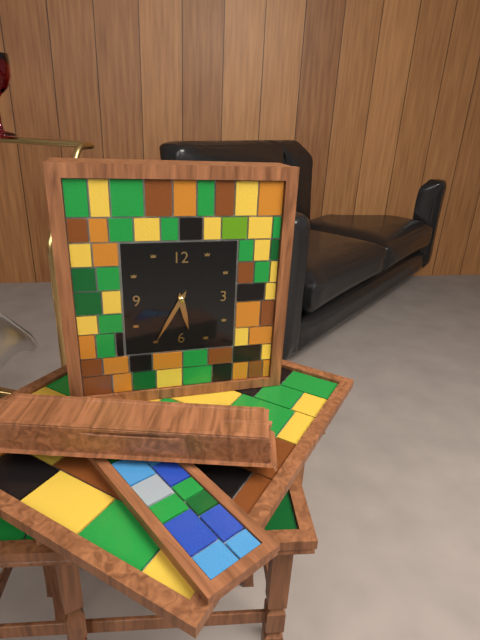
5:35
